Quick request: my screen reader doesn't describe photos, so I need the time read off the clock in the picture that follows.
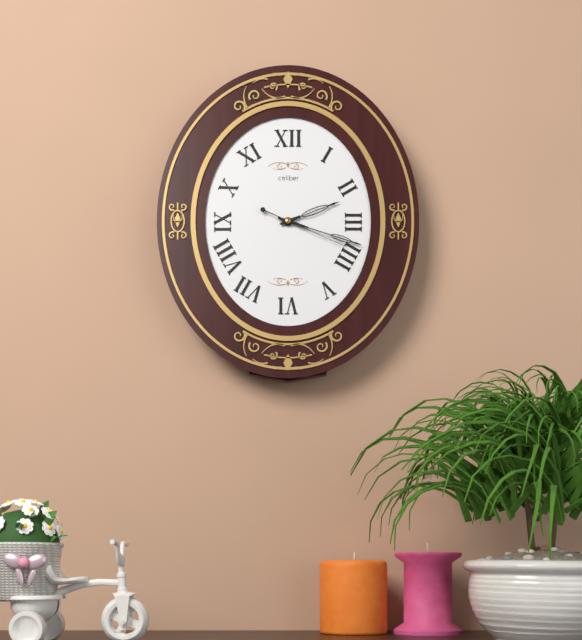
2:18:19
